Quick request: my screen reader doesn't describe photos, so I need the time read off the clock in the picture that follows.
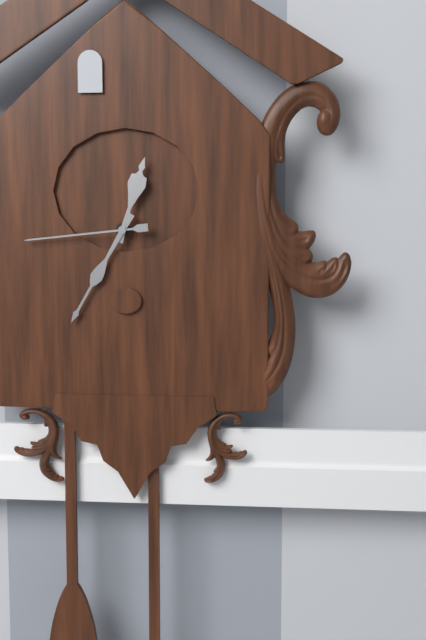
12:35:44
